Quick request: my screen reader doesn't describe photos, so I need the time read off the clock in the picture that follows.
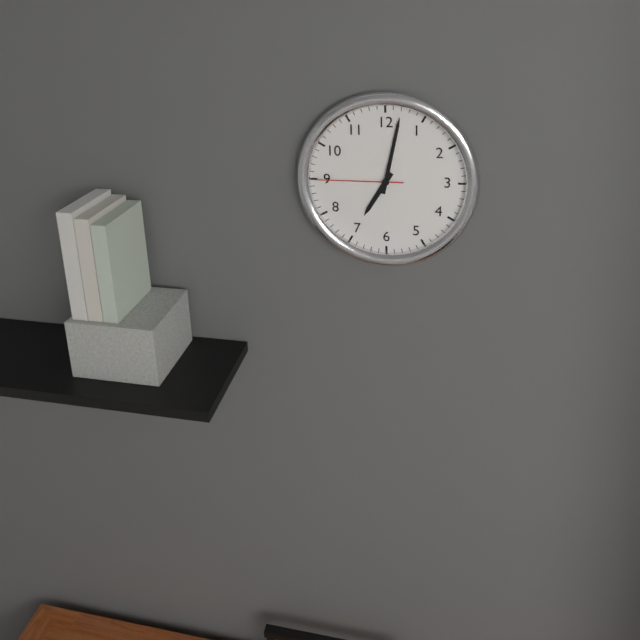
7:02:45
